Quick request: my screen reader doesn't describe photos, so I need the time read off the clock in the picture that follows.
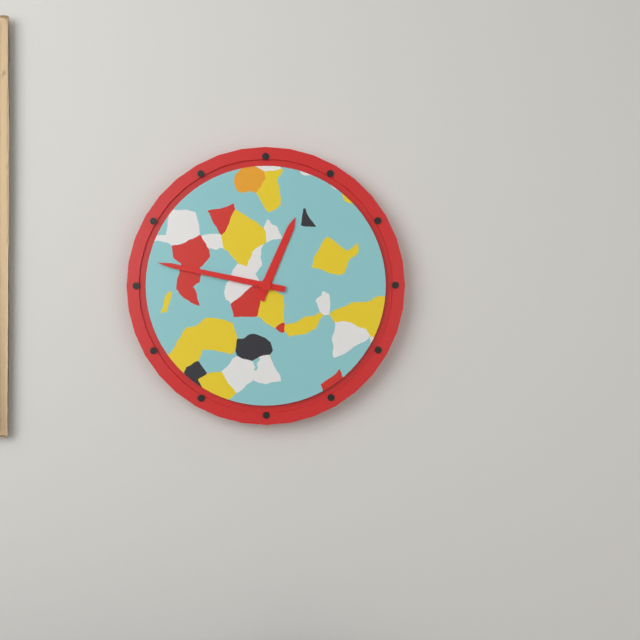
12:47
